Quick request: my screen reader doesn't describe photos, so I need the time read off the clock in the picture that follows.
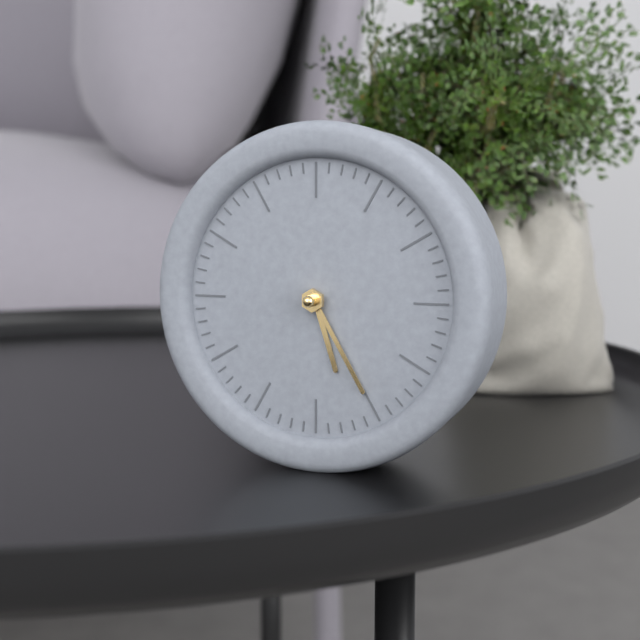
5:25
